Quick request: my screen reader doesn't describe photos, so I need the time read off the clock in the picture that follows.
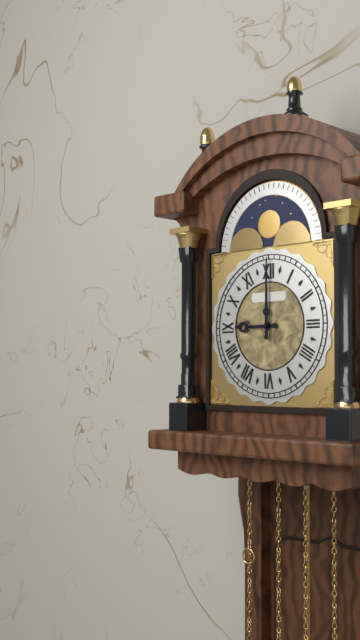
9:00
